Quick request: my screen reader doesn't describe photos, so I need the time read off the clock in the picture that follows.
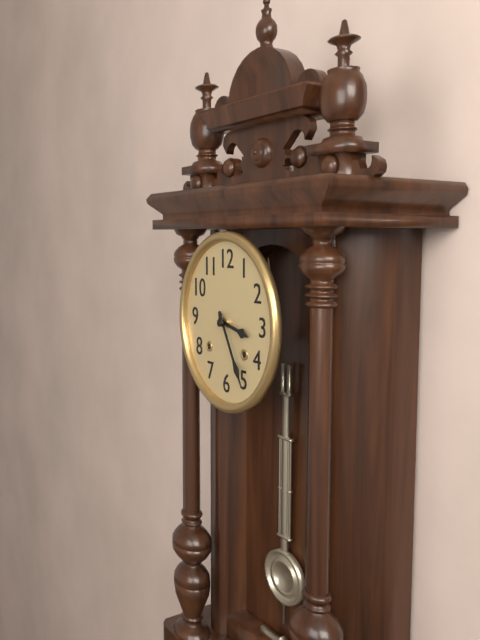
3:25
